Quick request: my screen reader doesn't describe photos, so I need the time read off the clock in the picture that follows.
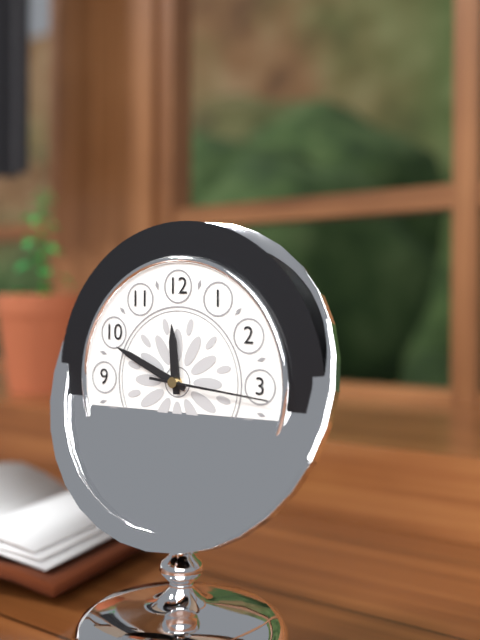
11:49:16
